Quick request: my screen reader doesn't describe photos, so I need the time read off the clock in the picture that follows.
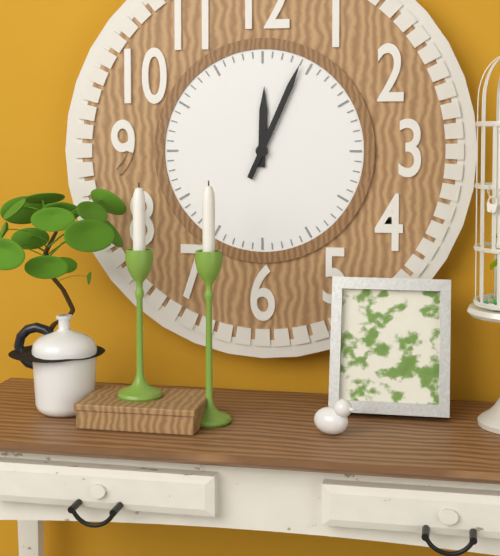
12:04
